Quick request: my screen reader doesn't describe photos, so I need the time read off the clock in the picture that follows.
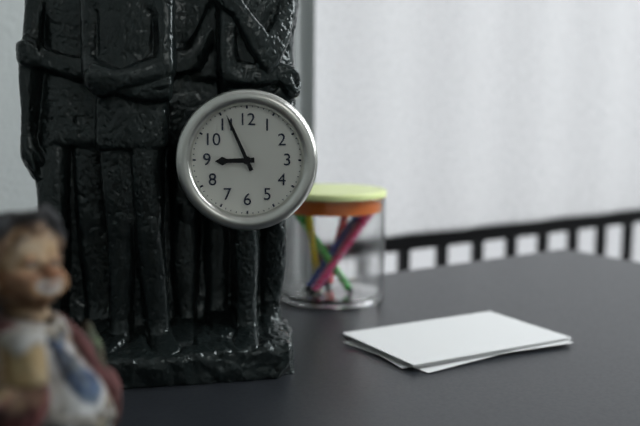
8:56
